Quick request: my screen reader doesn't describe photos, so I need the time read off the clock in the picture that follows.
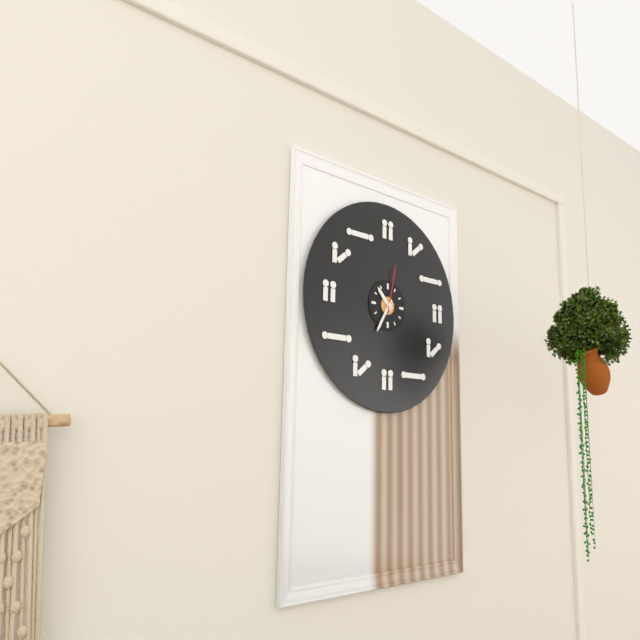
10:35:02
